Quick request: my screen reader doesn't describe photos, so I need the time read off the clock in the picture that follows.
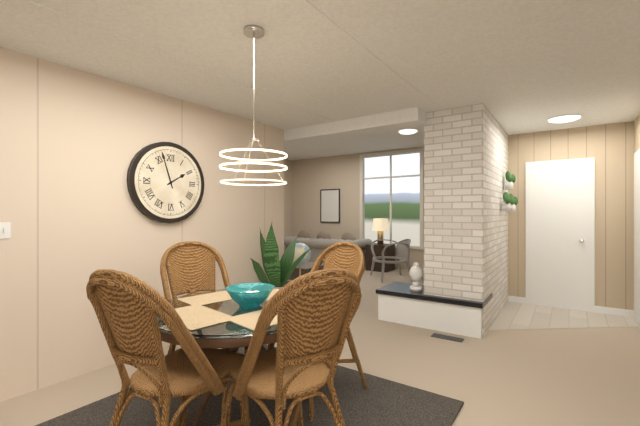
1:57
